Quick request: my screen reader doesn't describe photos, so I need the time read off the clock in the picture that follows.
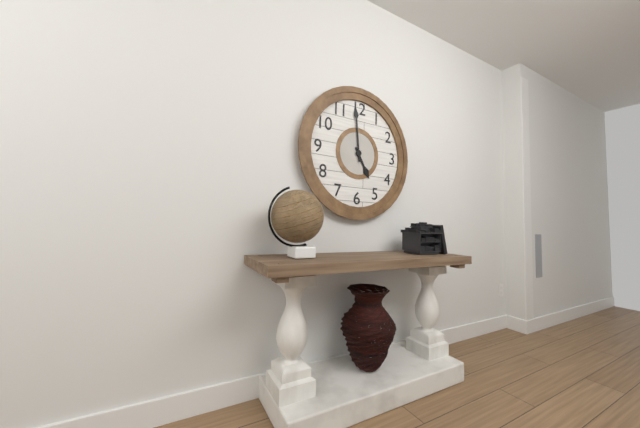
4:59
